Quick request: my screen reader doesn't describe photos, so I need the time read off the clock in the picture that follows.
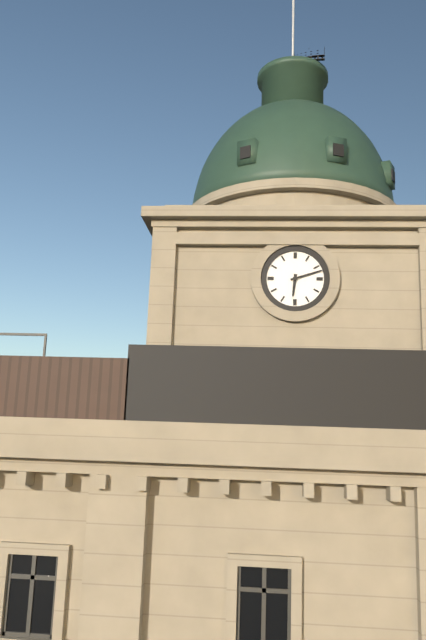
6:12
